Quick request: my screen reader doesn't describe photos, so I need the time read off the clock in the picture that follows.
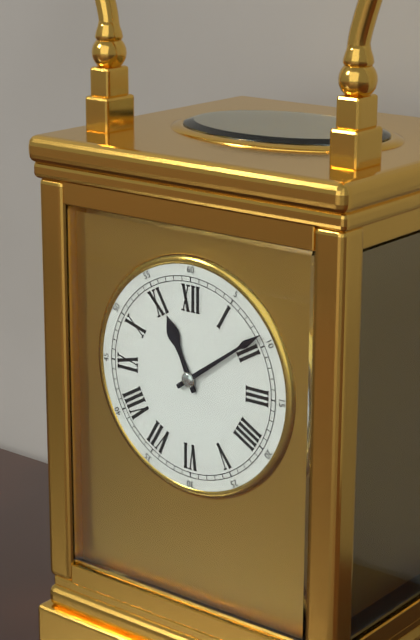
11:09
